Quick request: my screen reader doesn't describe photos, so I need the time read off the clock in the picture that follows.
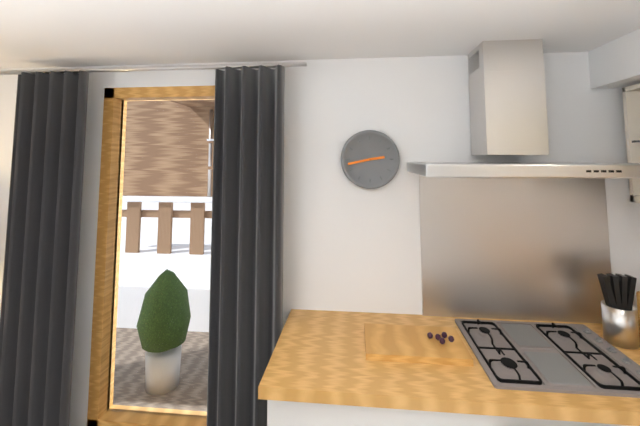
2:43
